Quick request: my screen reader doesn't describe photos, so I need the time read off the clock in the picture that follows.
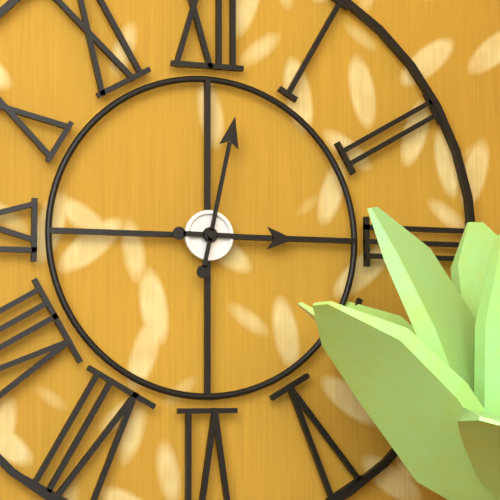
3:02
